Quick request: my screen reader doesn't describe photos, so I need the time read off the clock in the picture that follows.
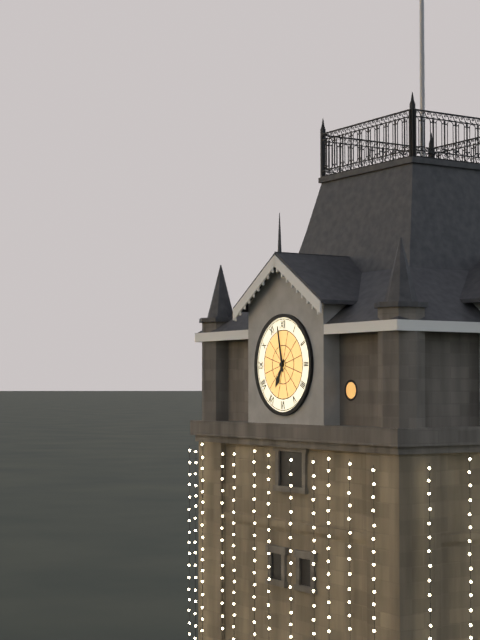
6:58
